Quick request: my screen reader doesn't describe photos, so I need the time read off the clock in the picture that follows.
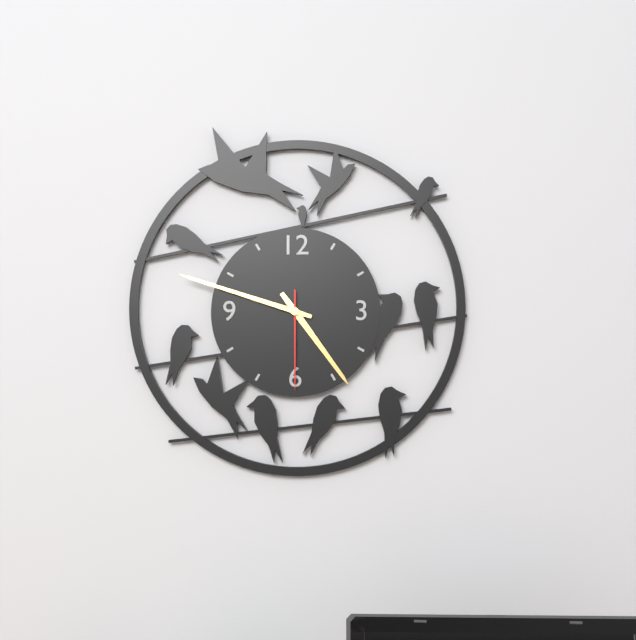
4:48:30
